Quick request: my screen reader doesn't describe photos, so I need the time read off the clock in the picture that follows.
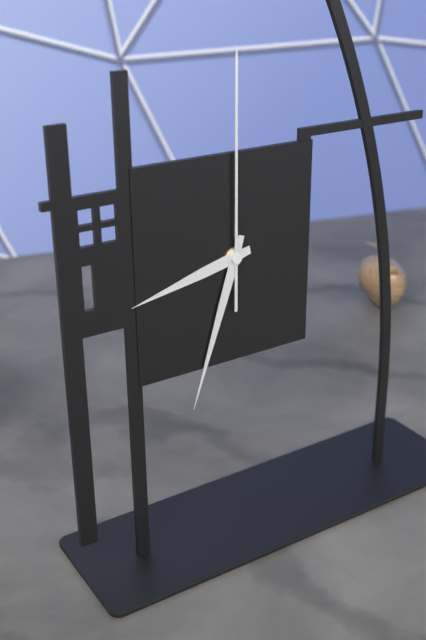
8:33:00
